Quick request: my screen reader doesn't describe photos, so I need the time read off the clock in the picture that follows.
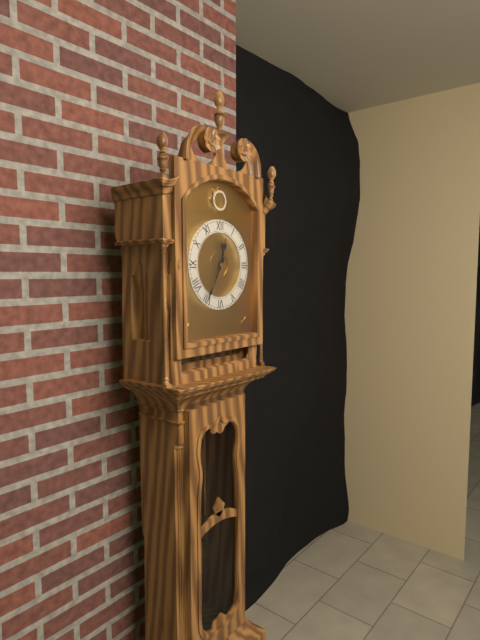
12:35
